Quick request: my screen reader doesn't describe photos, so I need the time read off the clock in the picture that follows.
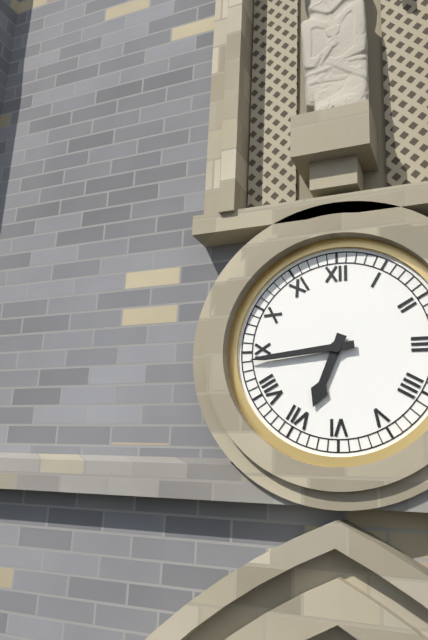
6:44
